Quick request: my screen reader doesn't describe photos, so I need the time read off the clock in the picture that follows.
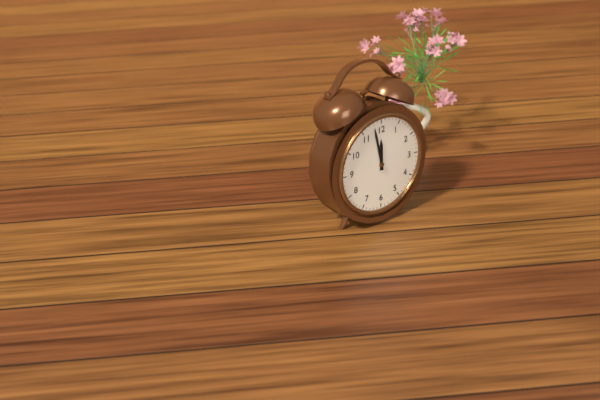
11:58
